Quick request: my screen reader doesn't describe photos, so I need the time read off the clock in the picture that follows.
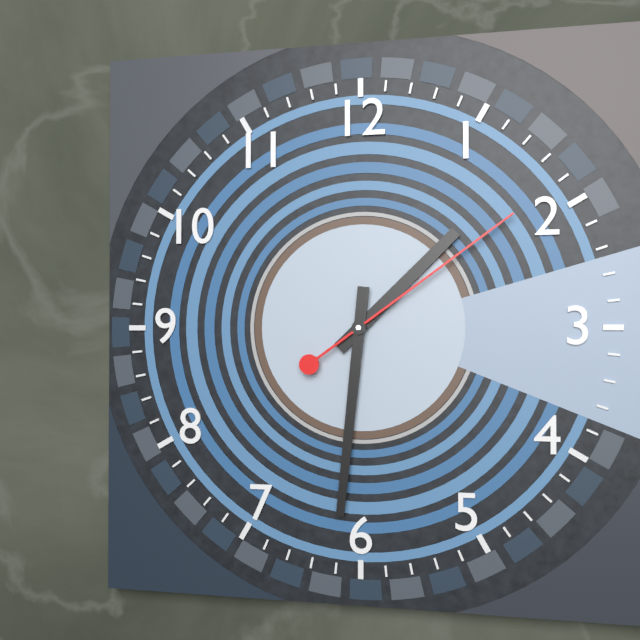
1:31:09
